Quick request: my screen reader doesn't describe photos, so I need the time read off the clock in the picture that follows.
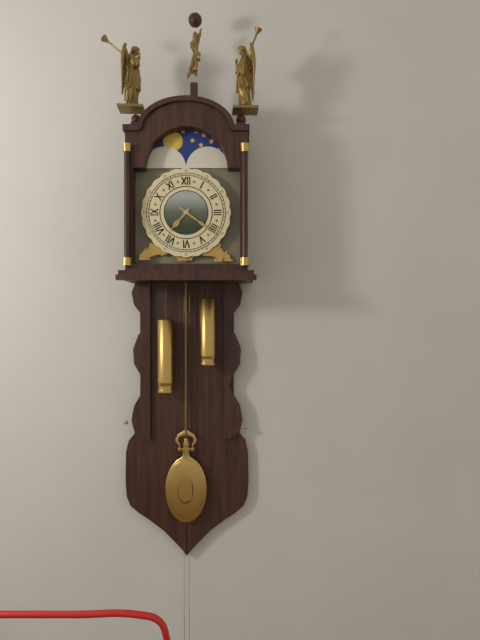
7:21
